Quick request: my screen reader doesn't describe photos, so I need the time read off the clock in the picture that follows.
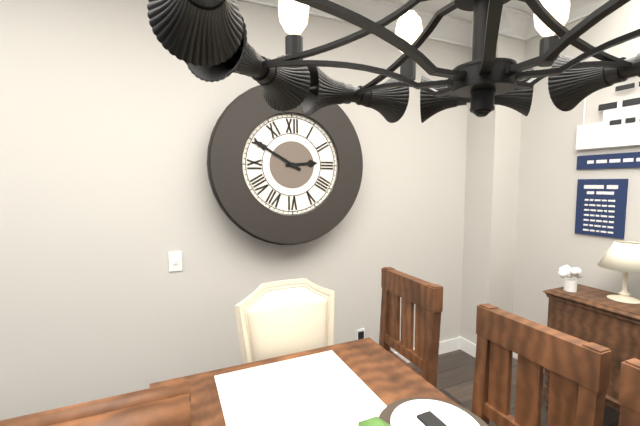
2:50
